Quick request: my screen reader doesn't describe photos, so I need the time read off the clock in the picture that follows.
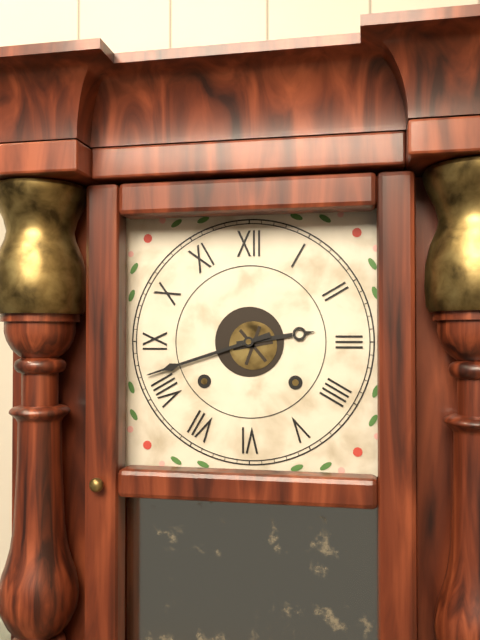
2:42
